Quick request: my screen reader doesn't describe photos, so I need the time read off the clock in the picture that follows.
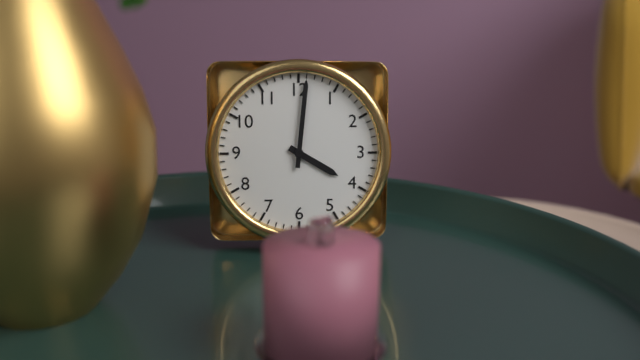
4:01
